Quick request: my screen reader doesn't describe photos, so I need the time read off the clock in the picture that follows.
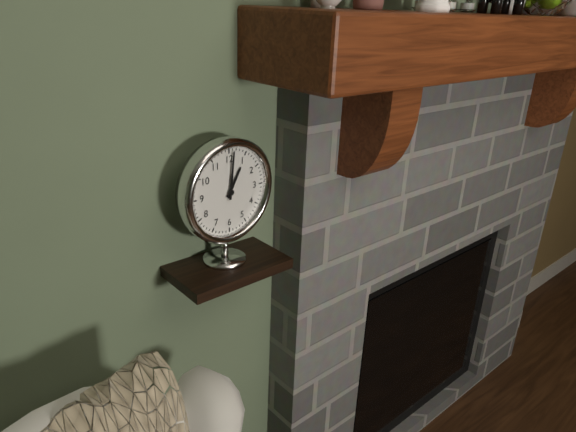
1:01
